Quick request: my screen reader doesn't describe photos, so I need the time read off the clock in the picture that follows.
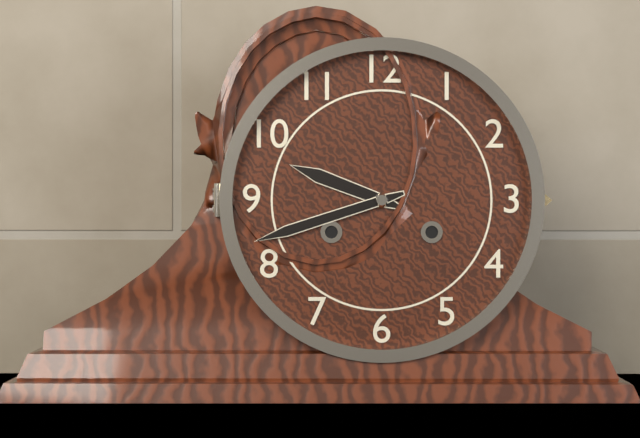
9:42
